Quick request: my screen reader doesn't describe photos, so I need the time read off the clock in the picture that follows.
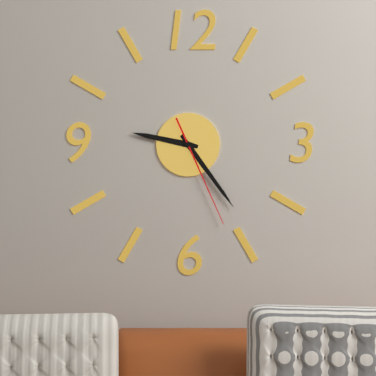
9:24:26
